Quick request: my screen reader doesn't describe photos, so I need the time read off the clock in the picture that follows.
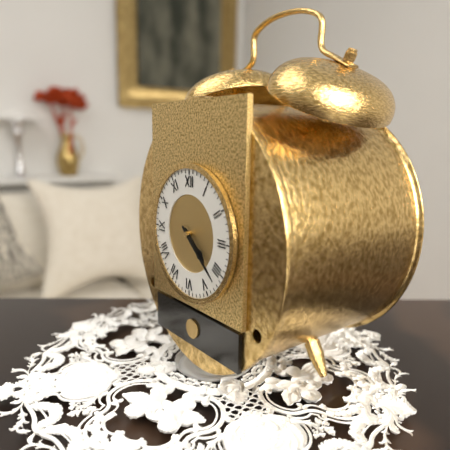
4:22
